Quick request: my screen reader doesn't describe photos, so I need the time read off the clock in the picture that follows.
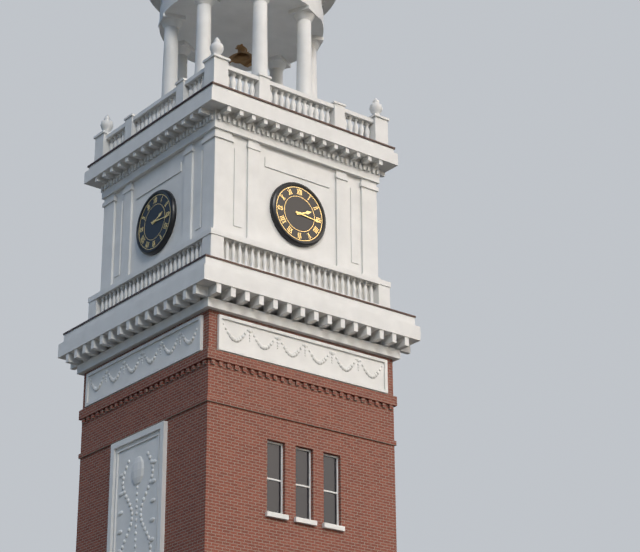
2:16
